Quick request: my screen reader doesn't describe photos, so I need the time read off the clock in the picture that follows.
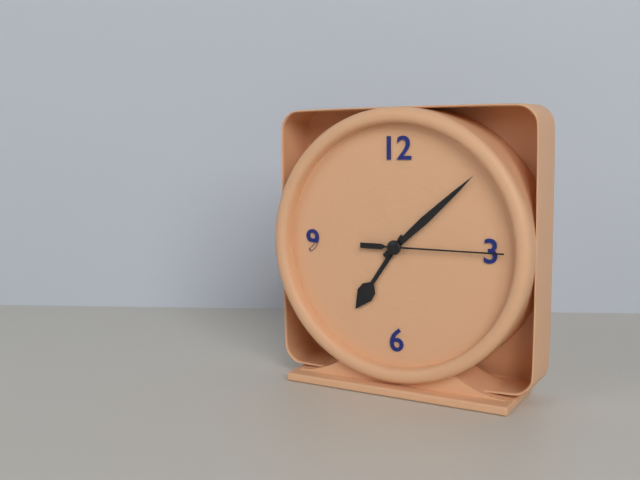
7:08:15
